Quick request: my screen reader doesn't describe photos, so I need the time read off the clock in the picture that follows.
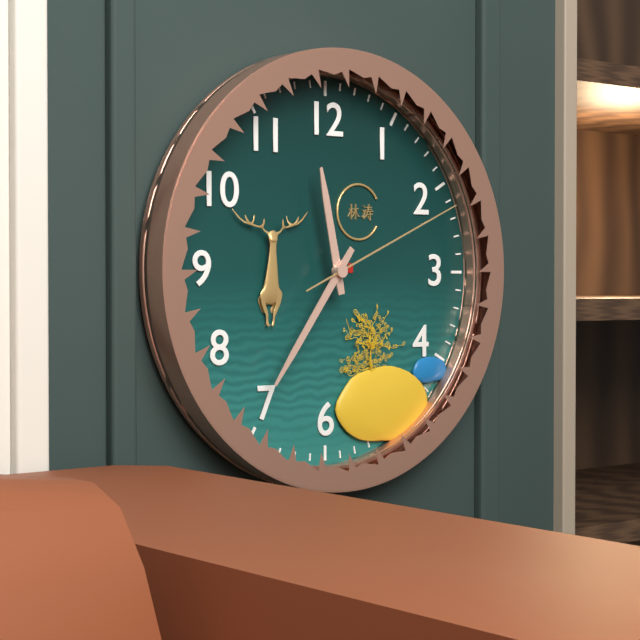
11:36:11
